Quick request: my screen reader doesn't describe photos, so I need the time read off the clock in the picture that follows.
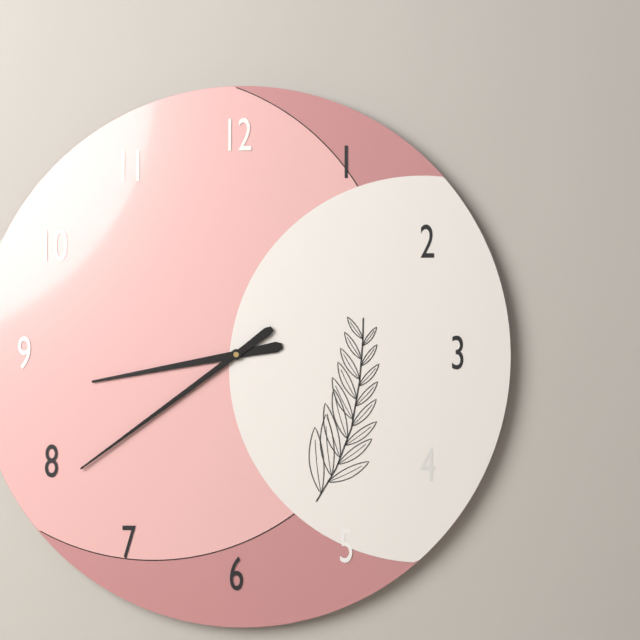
8:39
